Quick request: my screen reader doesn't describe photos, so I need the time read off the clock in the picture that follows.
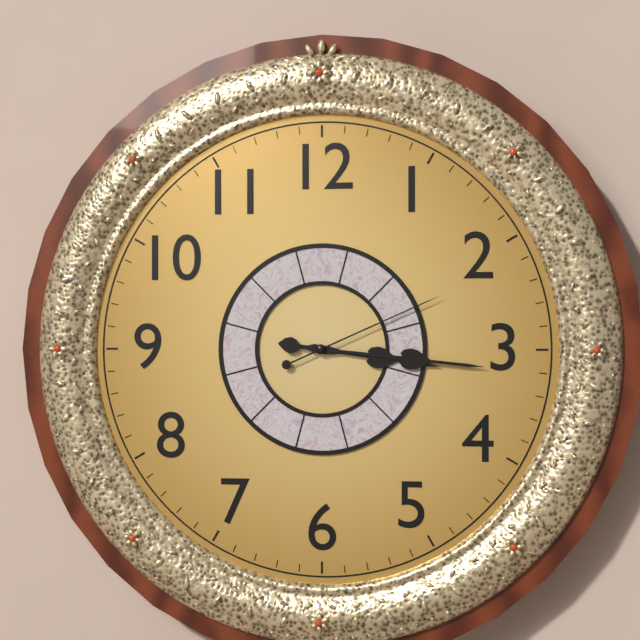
3:16:11
